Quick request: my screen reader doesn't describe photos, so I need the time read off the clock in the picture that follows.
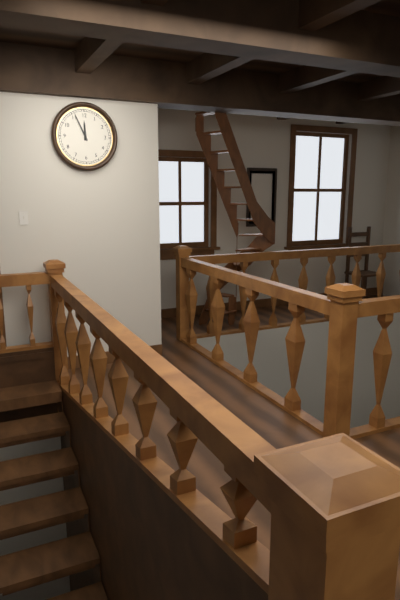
11:56
